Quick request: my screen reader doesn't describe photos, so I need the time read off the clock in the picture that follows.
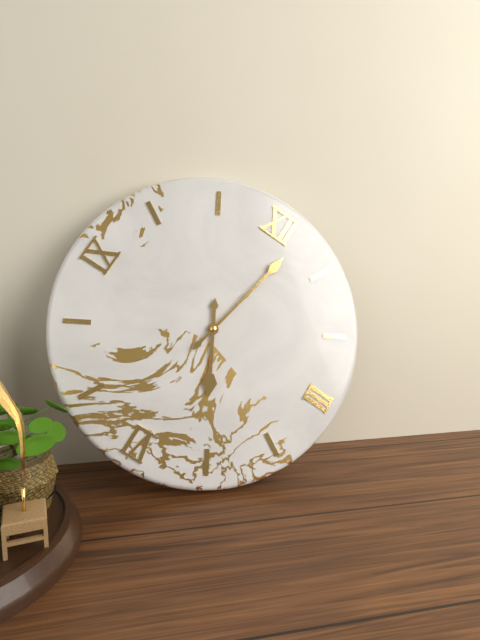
5:02
